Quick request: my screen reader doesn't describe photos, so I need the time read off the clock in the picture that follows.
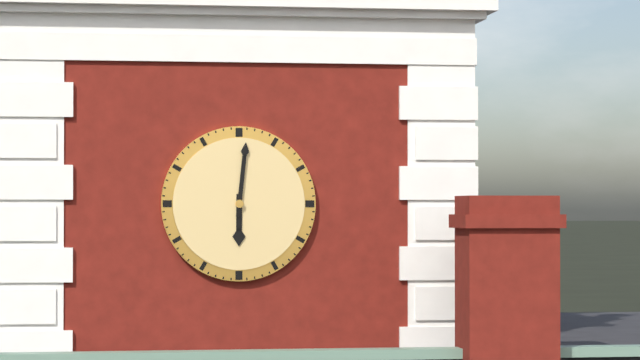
6:01
